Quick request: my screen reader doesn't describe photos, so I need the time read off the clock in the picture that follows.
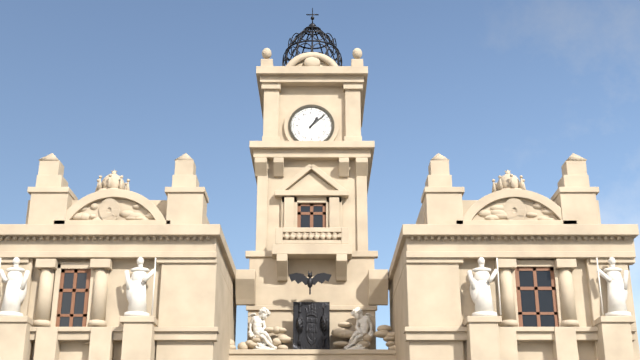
1:08
